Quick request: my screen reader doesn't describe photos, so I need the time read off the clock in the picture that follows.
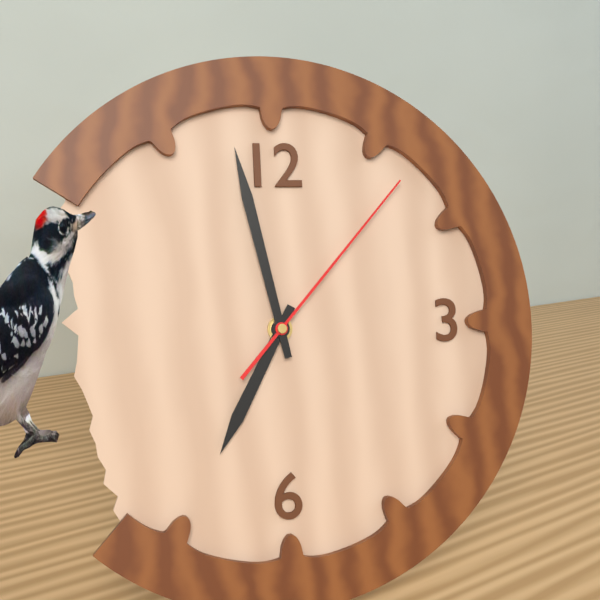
6:58:07
